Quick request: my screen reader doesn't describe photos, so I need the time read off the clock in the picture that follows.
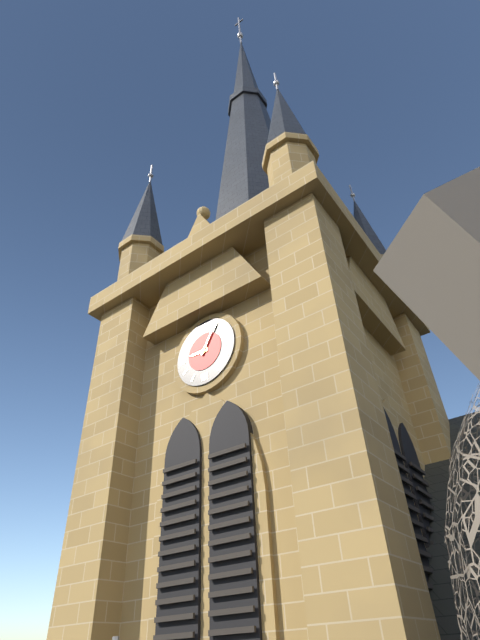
9:05
